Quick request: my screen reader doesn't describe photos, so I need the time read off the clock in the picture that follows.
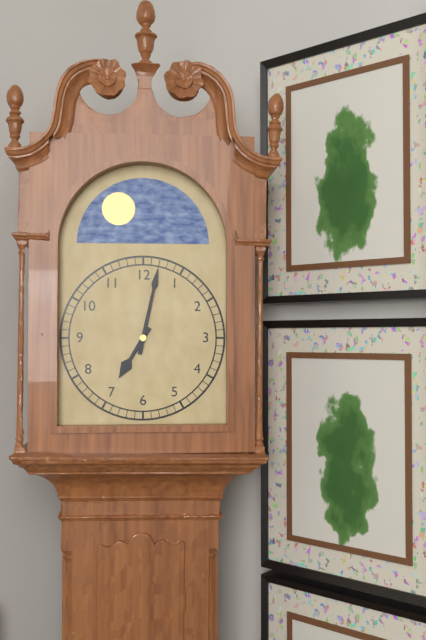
7:02
